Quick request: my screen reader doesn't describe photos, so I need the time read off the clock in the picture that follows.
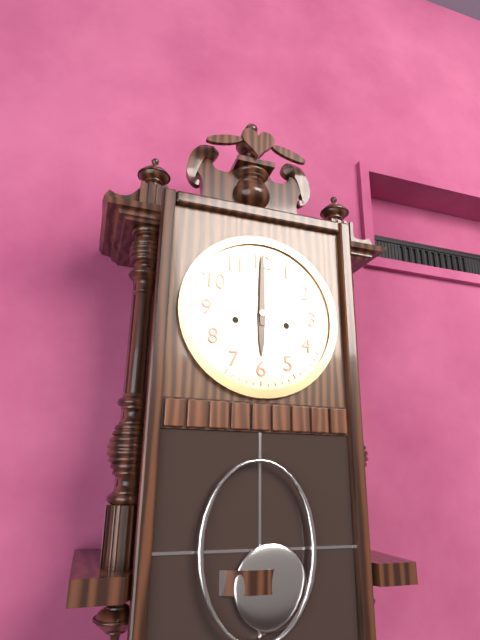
6:00
